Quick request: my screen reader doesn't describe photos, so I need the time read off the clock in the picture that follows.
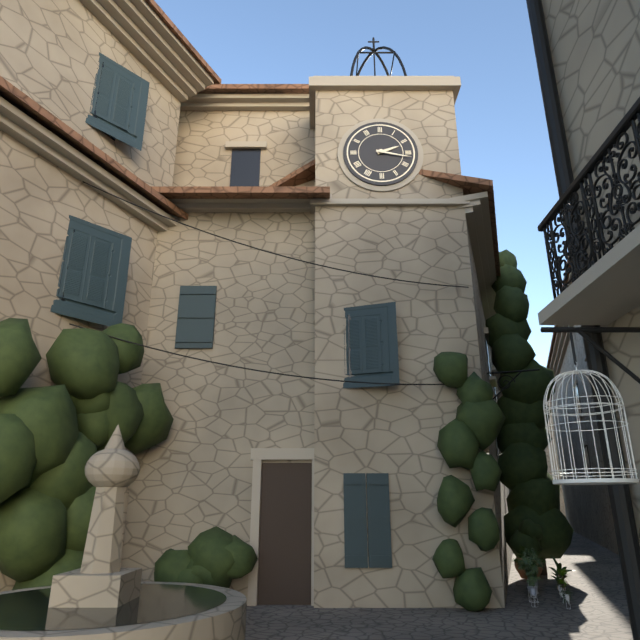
2:17
